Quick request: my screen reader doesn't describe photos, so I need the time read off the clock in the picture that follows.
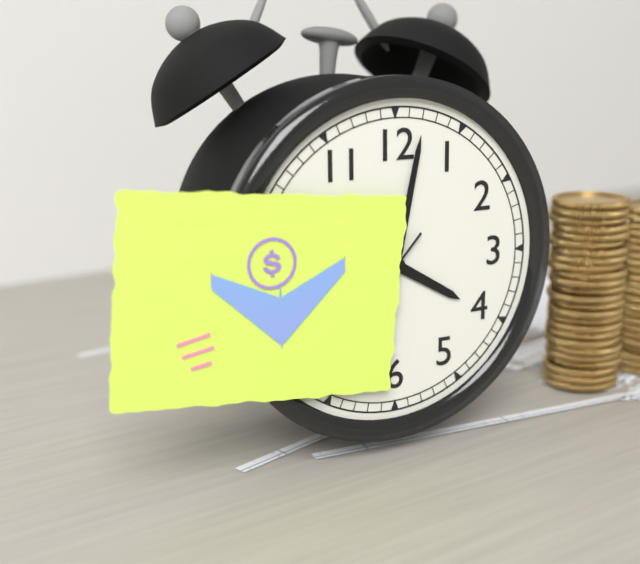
4:02
